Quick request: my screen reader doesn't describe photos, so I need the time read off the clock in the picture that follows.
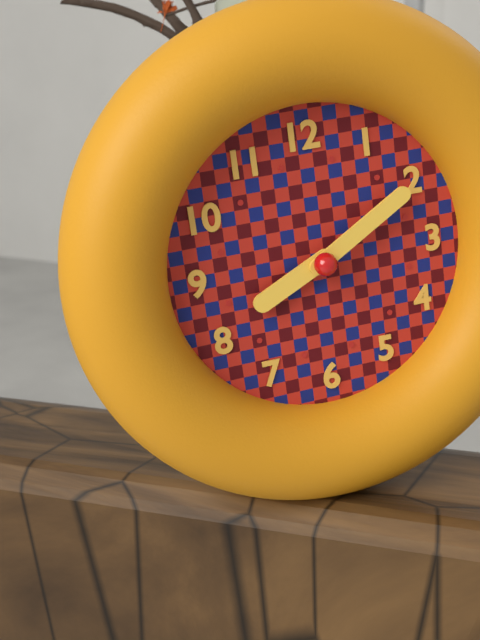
8:10
